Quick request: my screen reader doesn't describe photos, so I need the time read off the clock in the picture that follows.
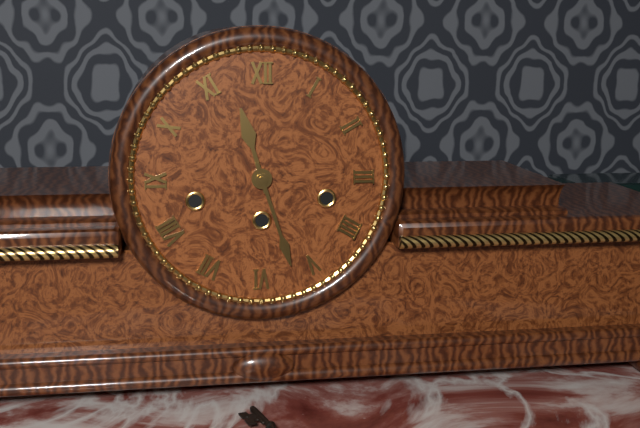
11:27
